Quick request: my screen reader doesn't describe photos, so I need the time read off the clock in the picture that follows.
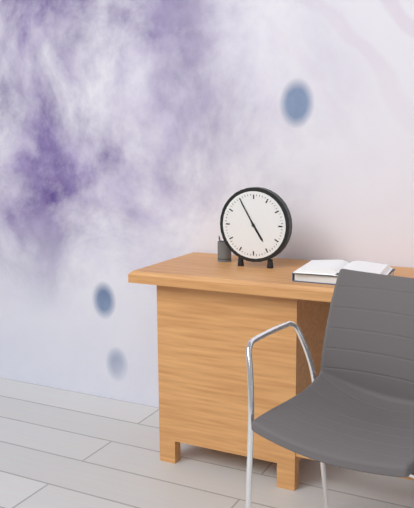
4:55
